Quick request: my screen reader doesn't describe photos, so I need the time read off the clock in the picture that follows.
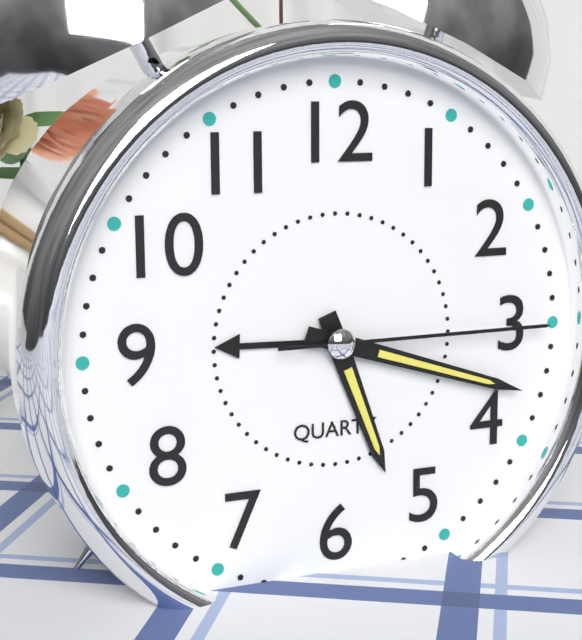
5:18:15
